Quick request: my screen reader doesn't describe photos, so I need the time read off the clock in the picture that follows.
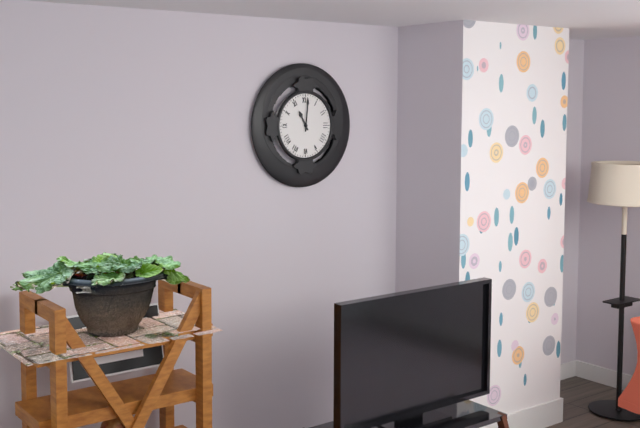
11:01
